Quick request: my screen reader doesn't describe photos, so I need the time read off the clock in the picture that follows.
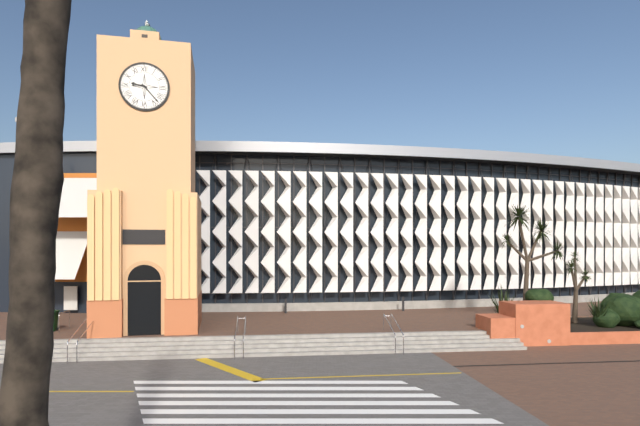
9:23
